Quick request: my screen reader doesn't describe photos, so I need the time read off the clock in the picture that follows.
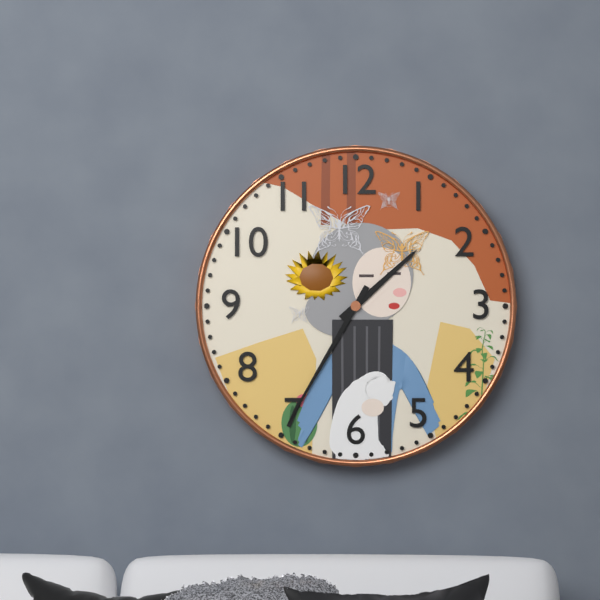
1:35
